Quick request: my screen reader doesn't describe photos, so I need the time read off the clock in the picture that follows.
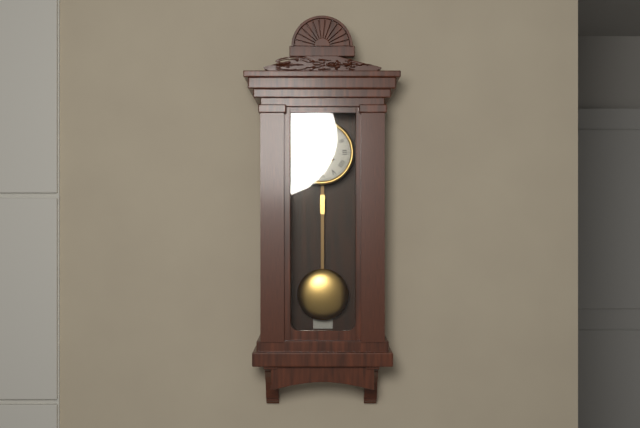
4:01
